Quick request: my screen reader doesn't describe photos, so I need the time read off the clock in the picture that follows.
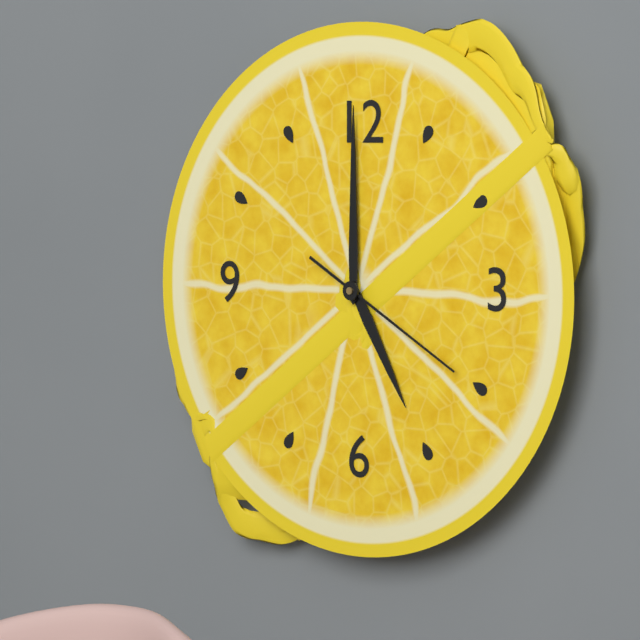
5:00:20
